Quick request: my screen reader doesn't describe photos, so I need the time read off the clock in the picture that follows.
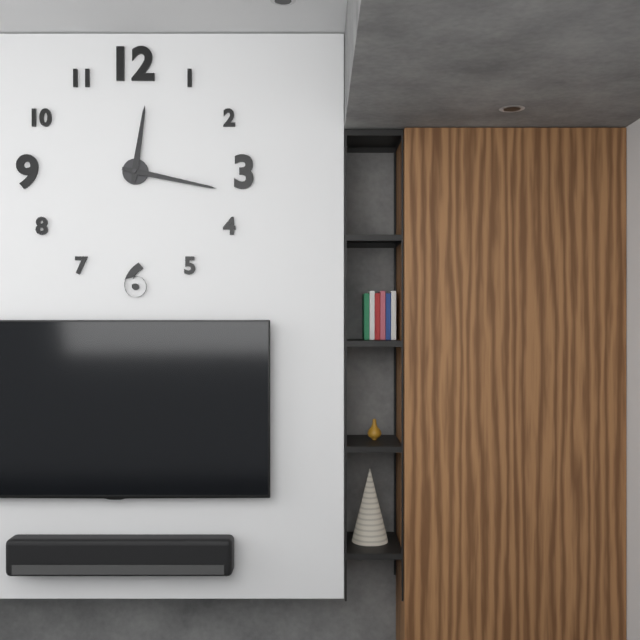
12:17
